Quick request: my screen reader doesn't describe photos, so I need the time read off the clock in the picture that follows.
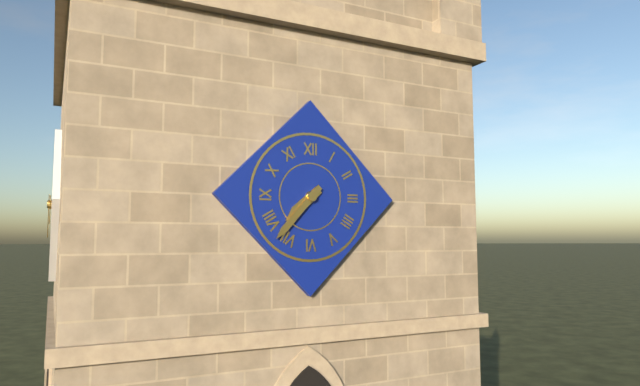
7:37
